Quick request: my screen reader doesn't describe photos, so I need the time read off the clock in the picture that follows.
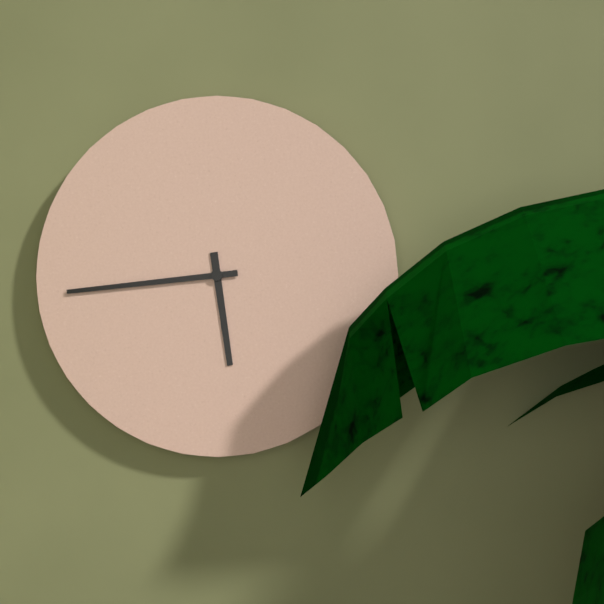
5:44
